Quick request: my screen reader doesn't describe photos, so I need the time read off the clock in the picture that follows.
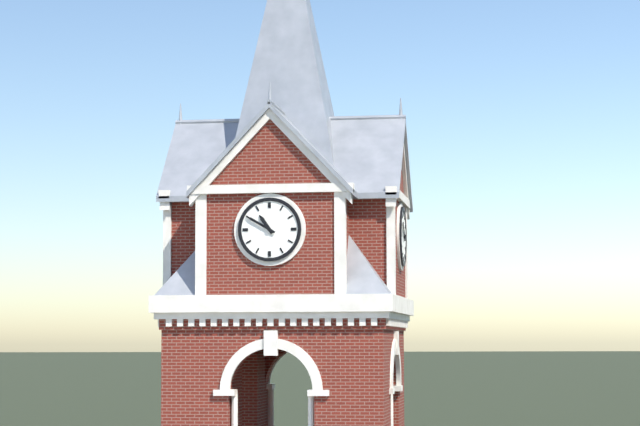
10:50
